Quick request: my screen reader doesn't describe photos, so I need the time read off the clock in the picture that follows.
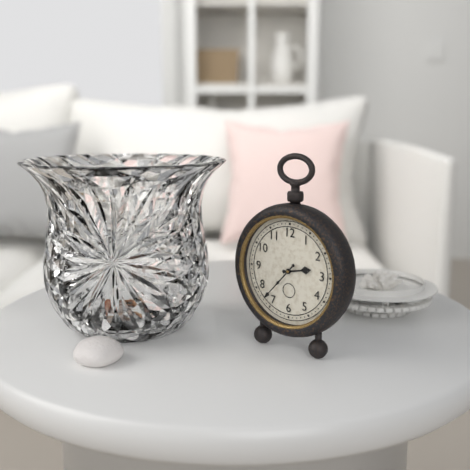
2:37
